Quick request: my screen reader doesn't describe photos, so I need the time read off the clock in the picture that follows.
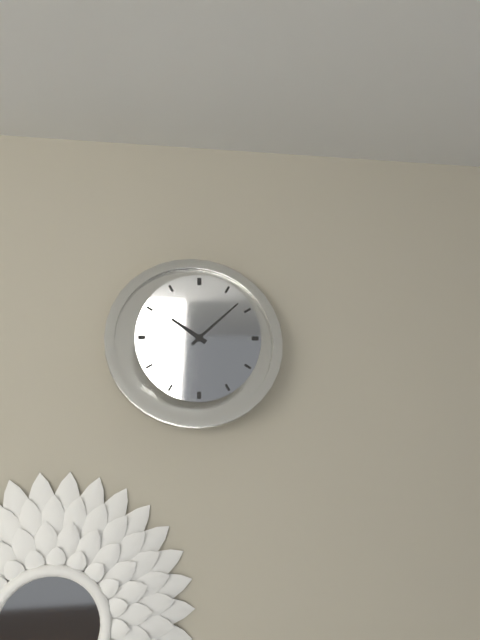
10:08
